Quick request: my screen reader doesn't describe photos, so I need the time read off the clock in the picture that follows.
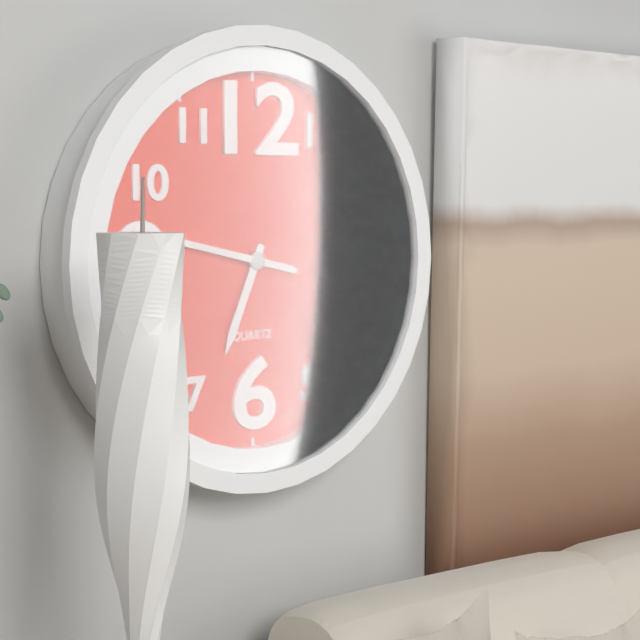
6:47
